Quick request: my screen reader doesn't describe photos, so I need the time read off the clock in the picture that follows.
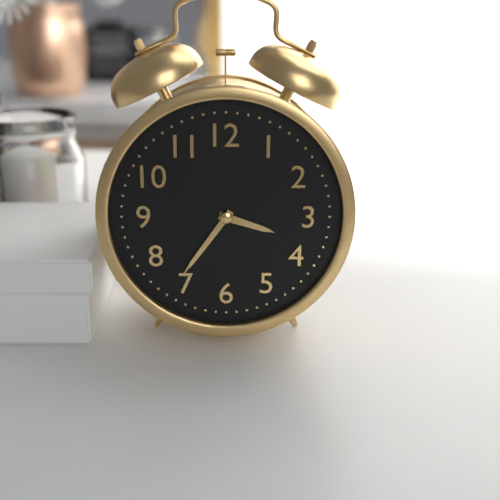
3:36
